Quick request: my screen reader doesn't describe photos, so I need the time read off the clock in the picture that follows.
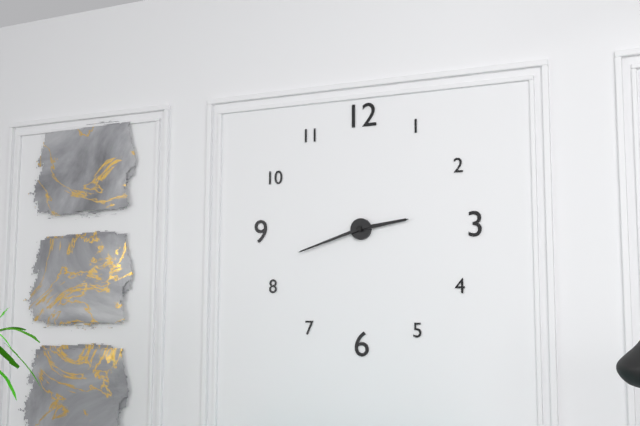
2:42
